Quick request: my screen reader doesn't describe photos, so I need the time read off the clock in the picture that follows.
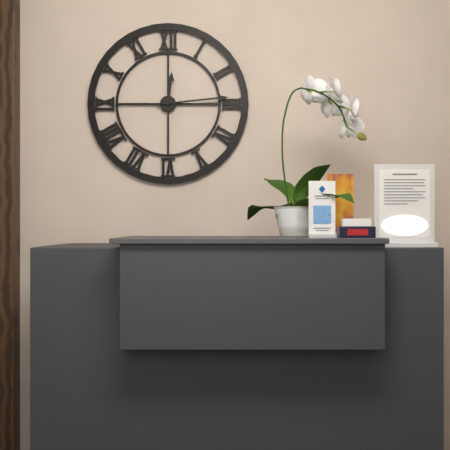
12:14
